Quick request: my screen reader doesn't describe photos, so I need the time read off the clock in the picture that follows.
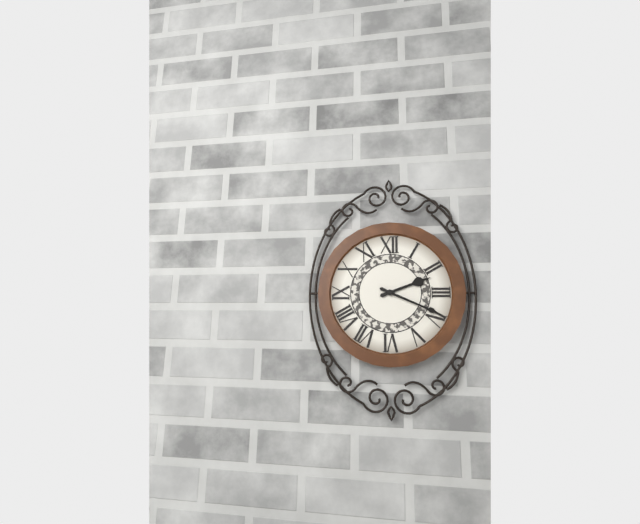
2:19
